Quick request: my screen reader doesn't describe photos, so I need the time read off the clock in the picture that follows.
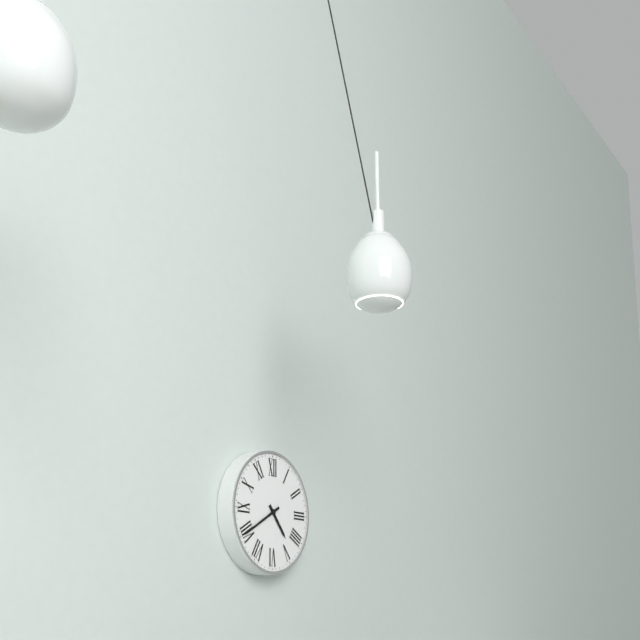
4:40
